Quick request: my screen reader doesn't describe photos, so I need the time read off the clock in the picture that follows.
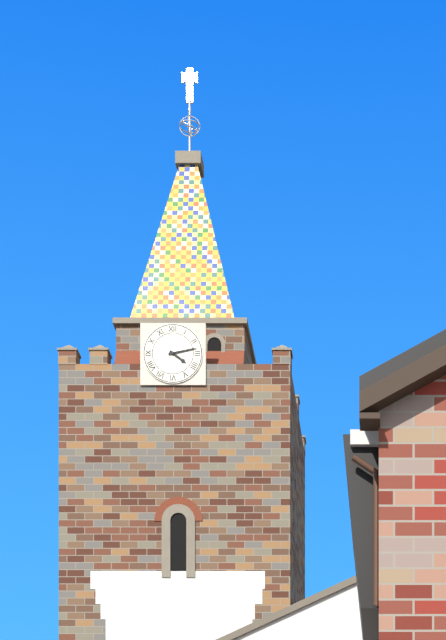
4:13
